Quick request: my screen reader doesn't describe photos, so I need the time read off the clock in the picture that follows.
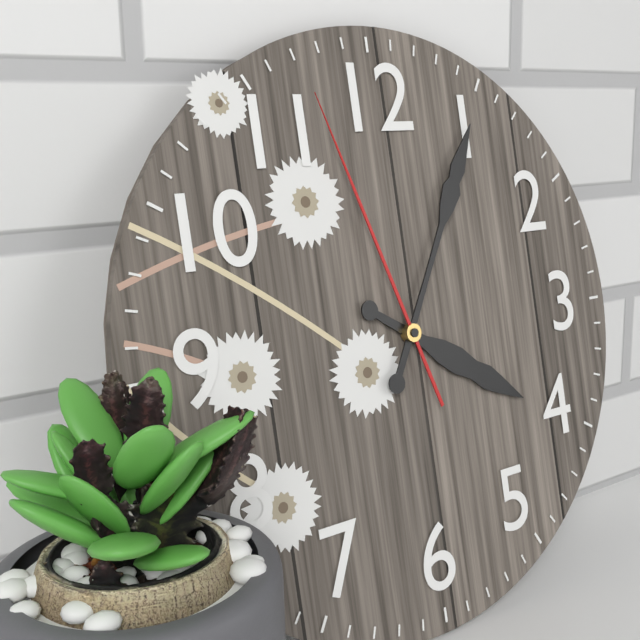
4:05:57
